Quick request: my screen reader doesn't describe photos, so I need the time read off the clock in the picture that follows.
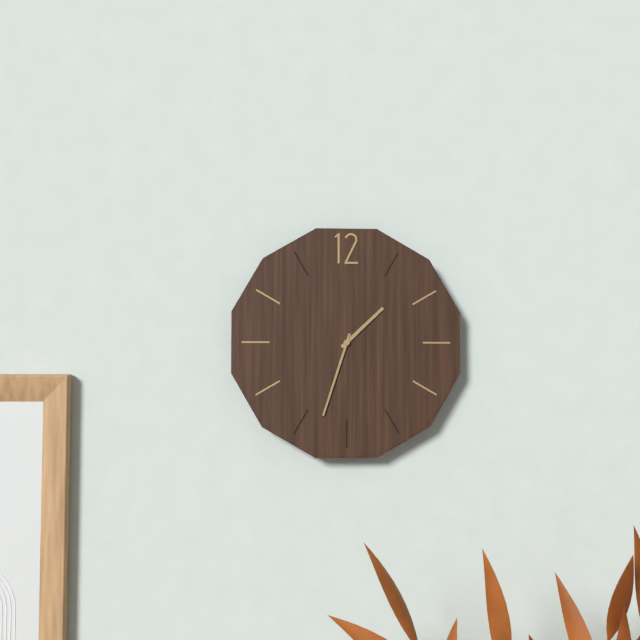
1:33
